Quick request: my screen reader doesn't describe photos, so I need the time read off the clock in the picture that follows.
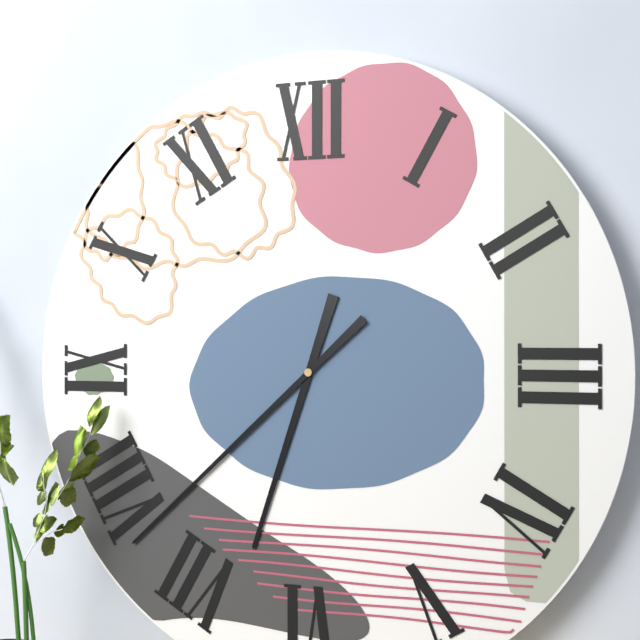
6:38
